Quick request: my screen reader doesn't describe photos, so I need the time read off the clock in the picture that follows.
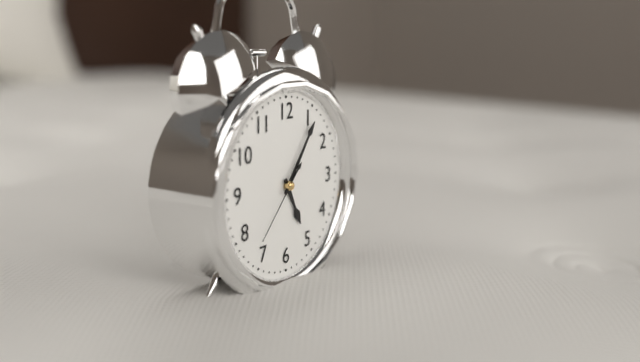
5:06:37
